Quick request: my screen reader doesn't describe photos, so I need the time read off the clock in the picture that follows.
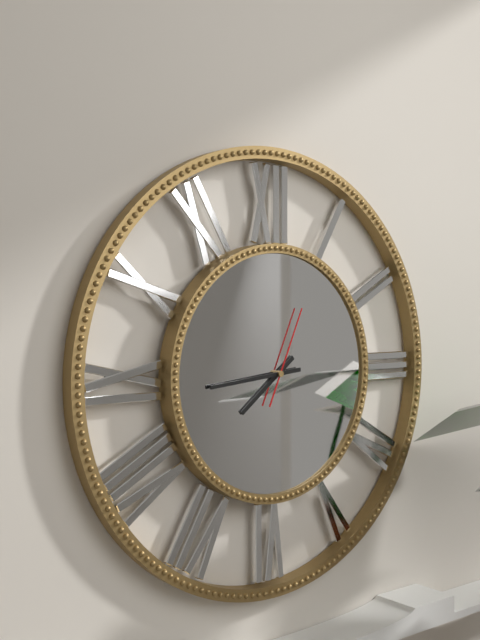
7:44:04
